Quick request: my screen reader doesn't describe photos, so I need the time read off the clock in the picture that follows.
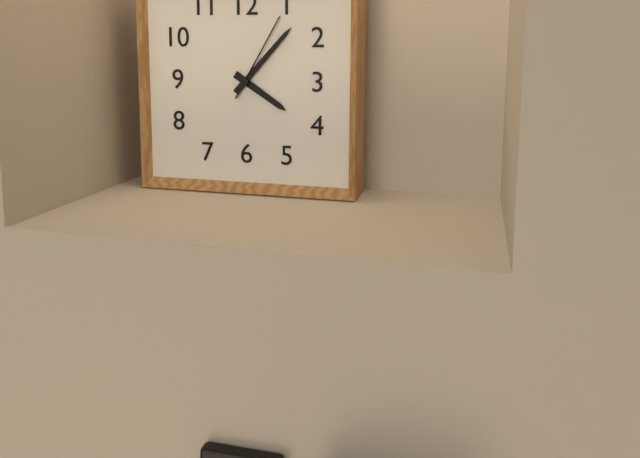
4:07:05
